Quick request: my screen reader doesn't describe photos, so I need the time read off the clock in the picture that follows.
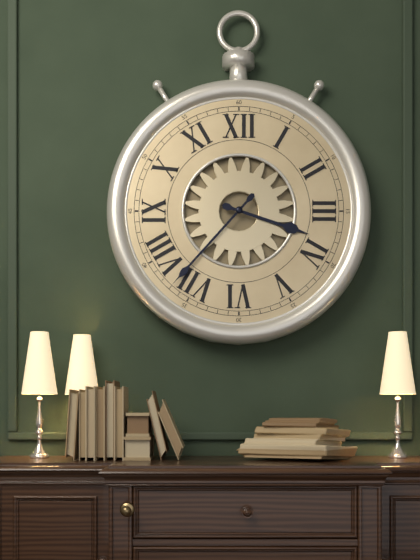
3:37
